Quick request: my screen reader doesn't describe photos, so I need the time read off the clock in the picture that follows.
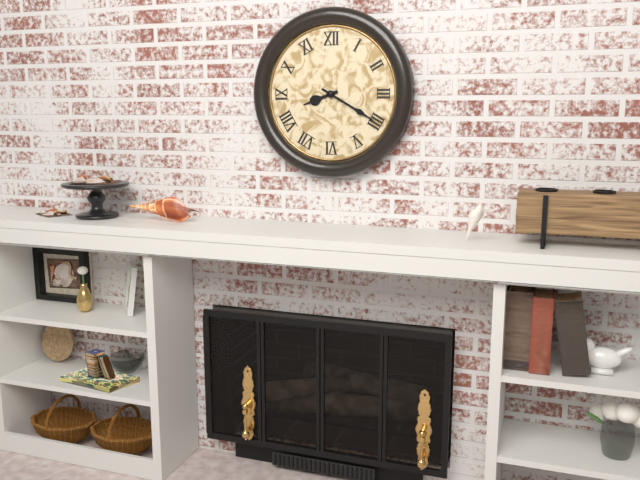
8:20
